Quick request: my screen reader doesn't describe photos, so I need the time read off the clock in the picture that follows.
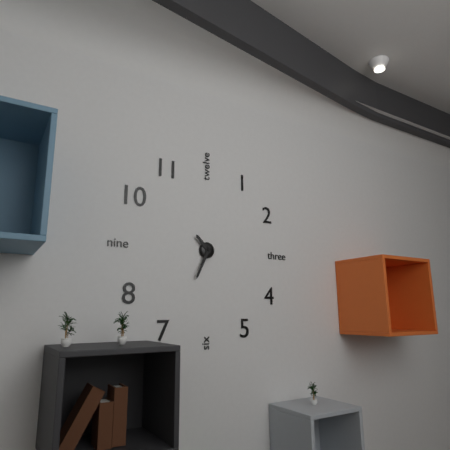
10:34
